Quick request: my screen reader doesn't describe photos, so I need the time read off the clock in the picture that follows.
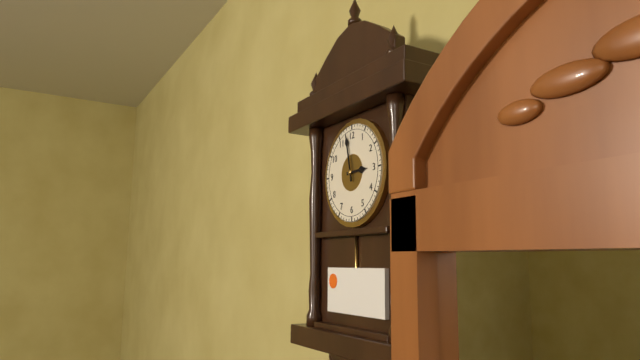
2:58
